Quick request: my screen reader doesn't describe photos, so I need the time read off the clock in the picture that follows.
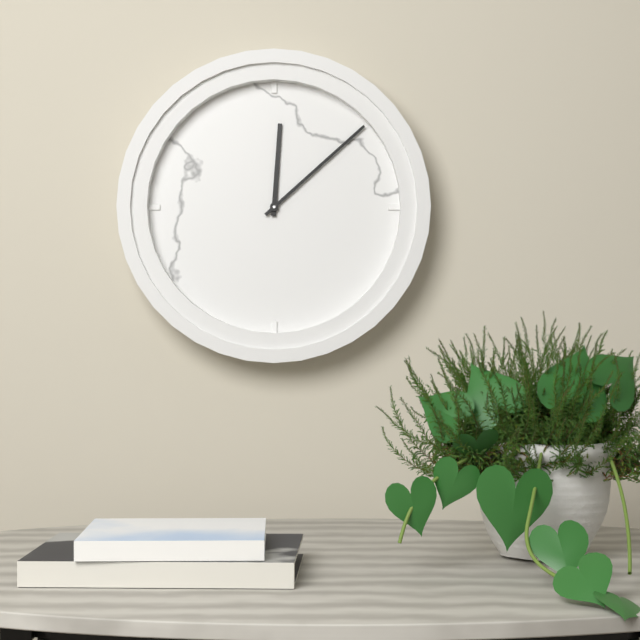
12:08
